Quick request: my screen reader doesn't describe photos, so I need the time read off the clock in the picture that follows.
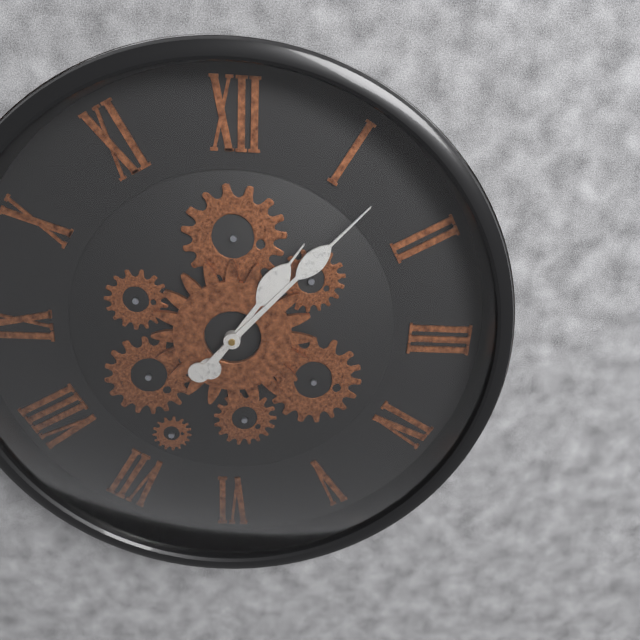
1:07
